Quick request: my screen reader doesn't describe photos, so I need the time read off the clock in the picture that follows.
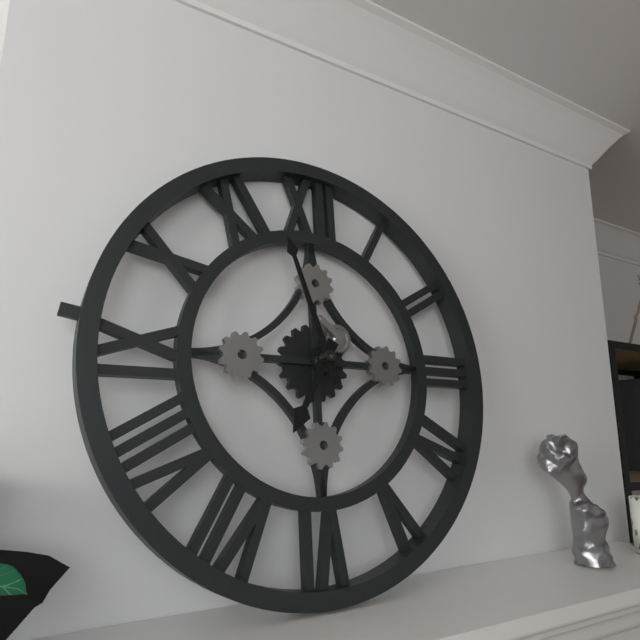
6:57
